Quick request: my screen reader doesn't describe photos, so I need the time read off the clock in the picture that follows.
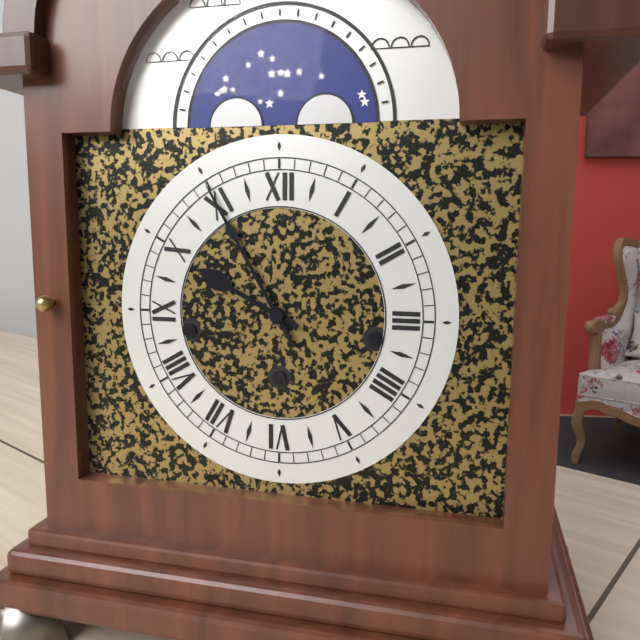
9:55
